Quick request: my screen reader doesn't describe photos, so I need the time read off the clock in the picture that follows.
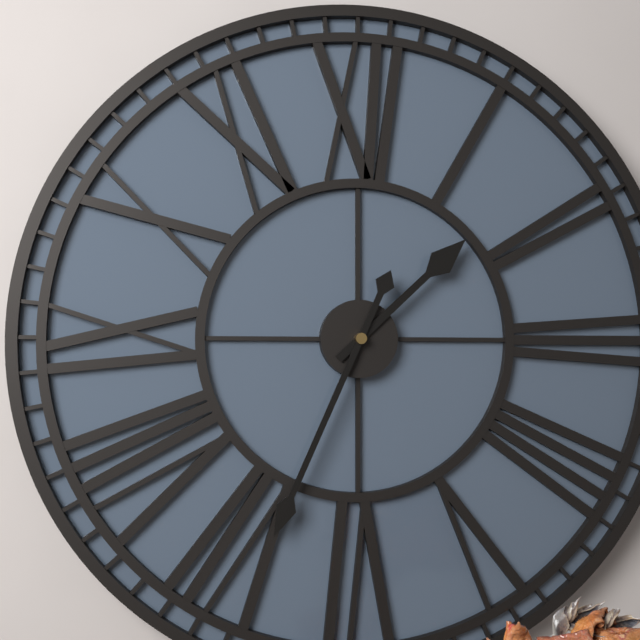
1:34
